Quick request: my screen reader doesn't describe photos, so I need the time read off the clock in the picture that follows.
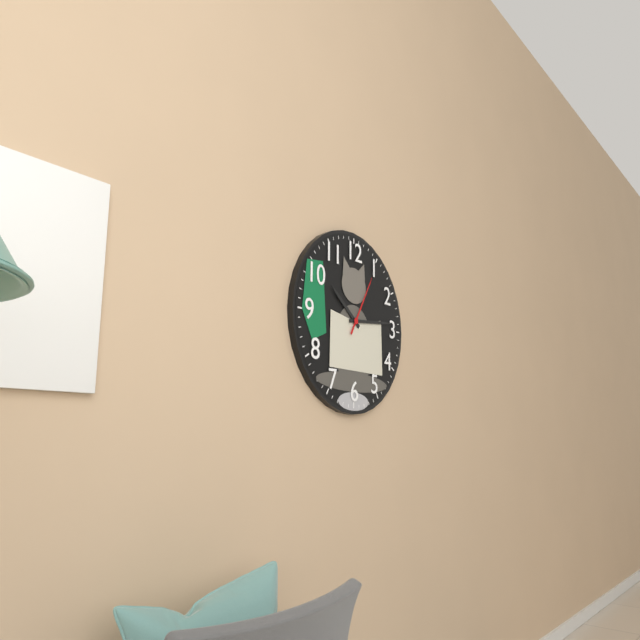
10:14:05
